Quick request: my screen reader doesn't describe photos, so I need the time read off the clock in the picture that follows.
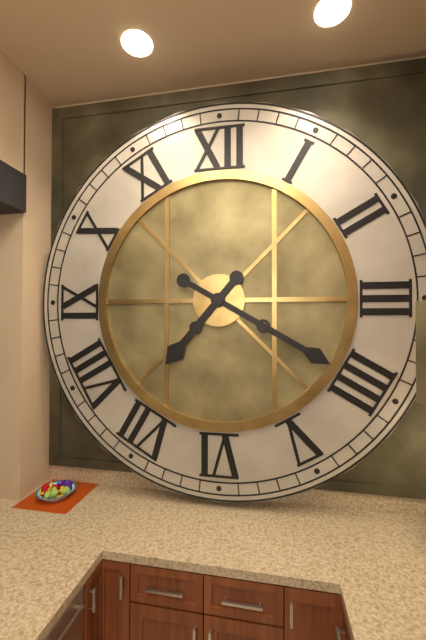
7:20
